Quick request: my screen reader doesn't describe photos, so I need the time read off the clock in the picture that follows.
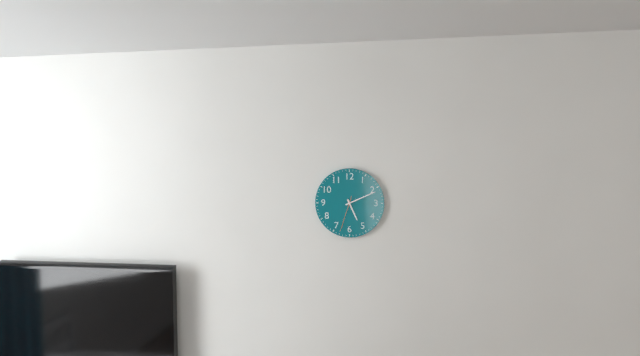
5:11
